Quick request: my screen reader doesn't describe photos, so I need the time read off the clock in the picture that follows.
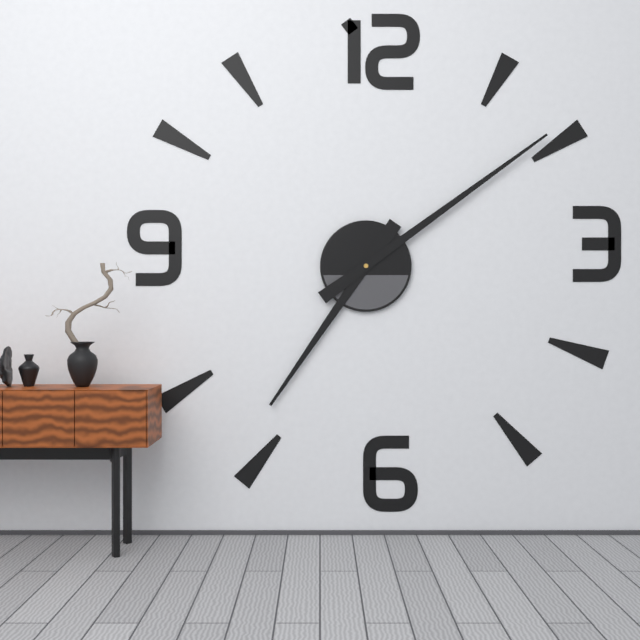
7:09
